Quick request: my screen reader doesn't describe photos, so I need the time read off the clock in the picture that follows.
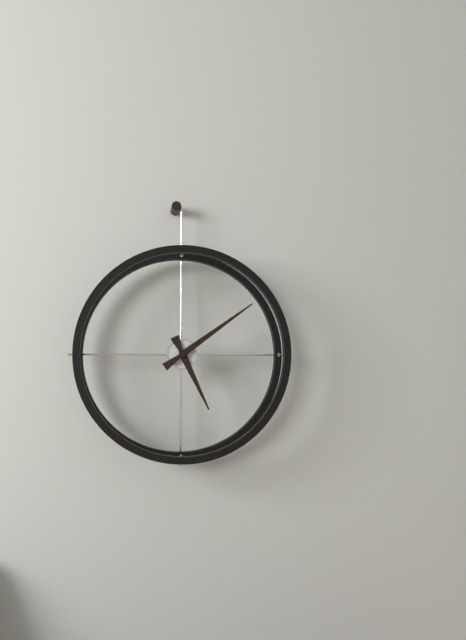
5:09
